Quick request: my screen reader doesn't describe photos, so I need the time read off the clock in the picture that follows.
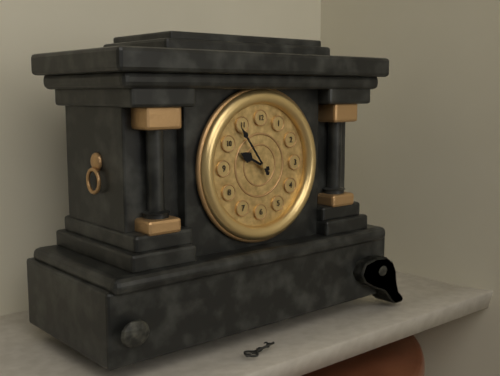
9:54
